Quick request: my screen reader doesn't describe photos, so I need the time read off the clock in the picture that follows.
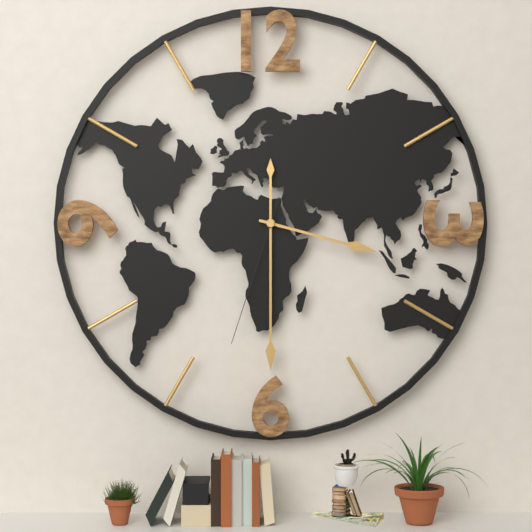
3:30:33
